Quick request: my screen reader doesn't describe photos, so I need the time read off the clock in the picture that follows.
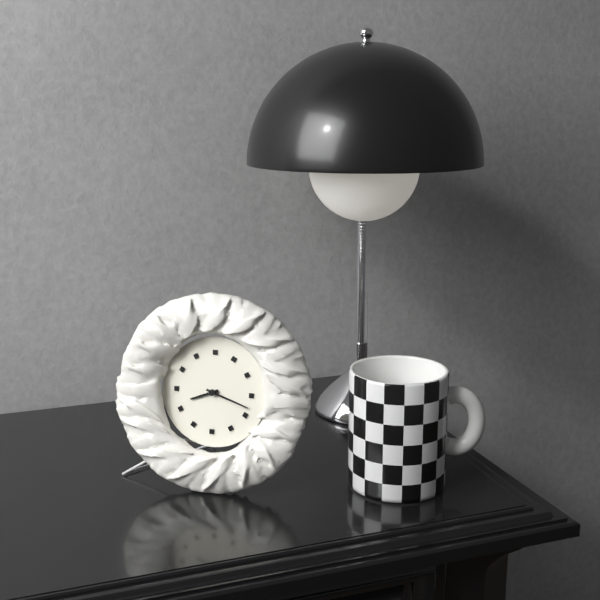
8:18
